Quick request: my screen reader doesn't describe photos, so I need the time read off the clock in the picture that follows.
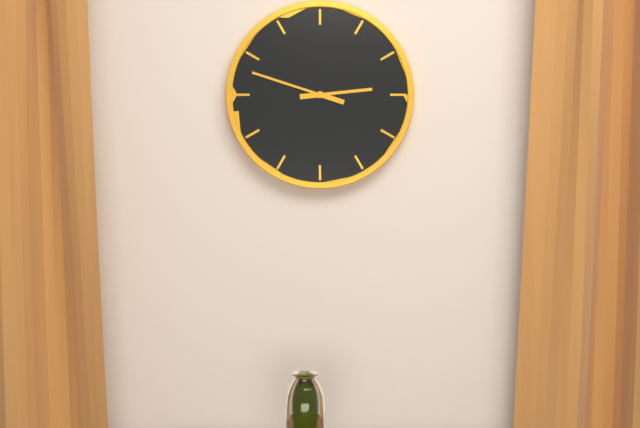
2:48
